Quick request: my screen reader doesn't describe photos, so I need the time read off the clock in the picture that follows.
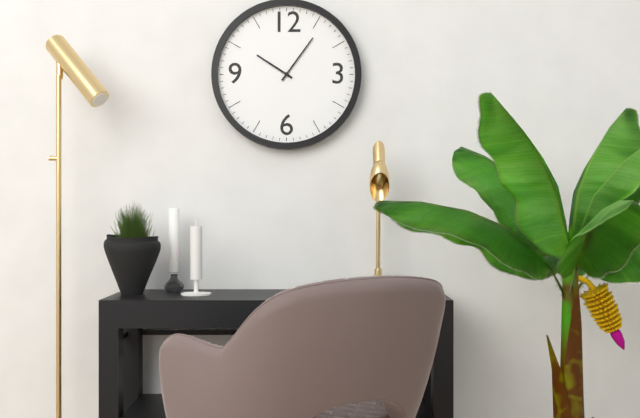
10:06
